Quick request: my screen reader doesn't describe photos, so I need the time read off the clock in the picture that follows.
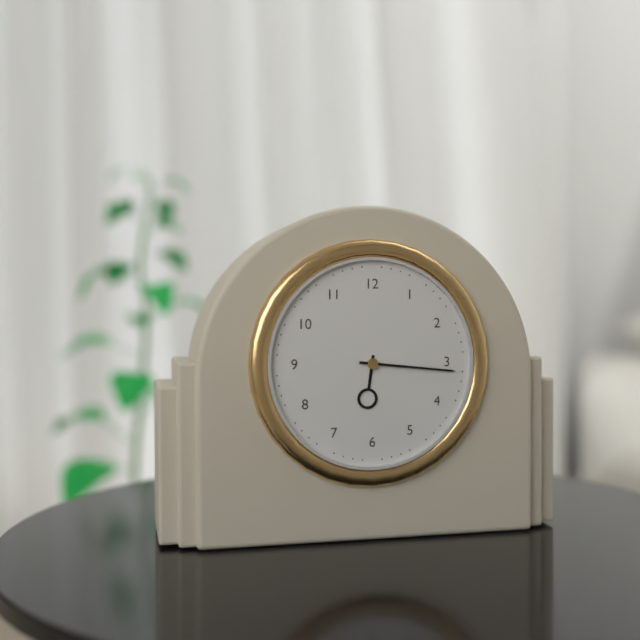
6:16
